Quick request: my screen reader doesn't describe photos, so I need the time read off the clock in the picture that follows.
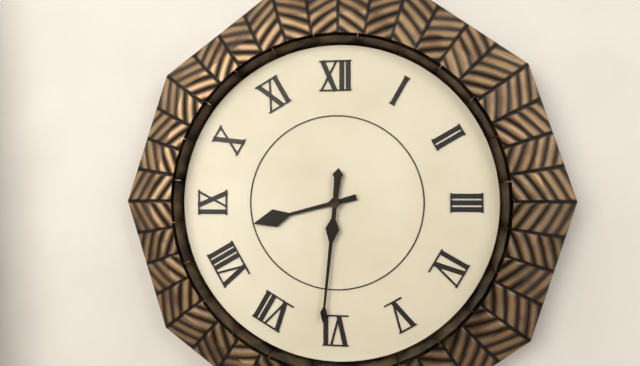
8:31
